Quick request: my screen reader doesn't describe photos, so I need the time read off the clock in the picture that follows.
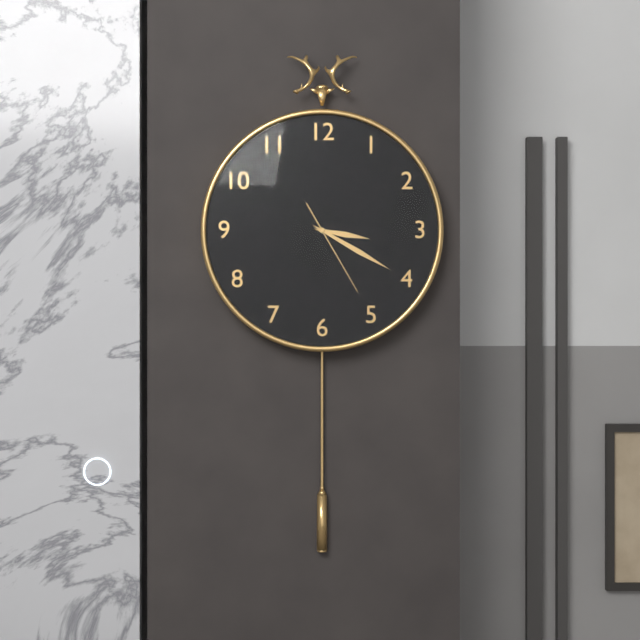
3:20:25
